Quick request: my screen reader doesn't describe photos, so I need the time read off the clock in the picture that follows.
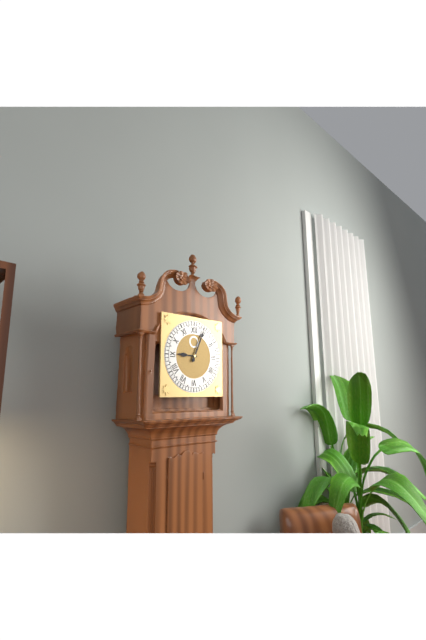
9:04
